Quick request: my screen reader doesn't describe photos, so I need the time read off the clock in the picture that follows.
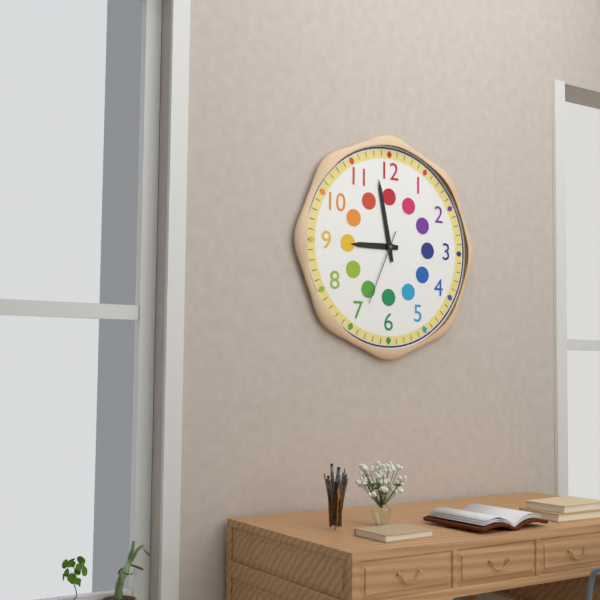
8:58:34
